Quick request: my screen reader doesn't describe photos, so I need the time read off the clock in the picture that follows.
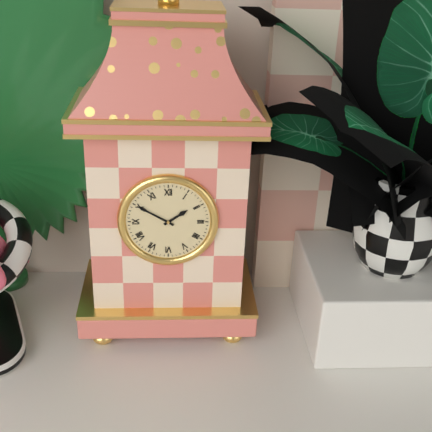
1:50
